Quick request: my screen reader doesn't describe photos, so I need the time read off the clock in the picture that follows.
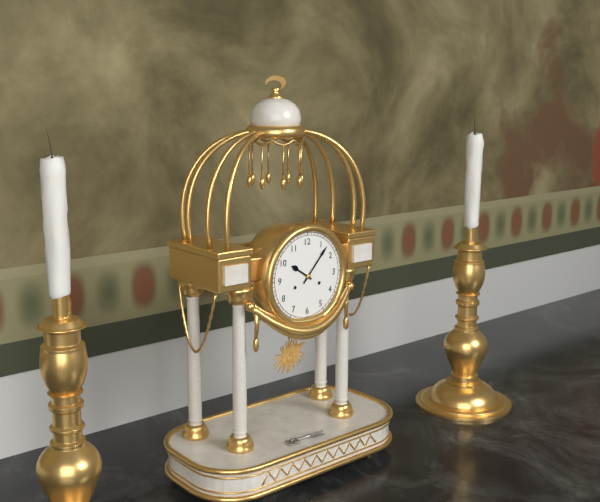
10:07
